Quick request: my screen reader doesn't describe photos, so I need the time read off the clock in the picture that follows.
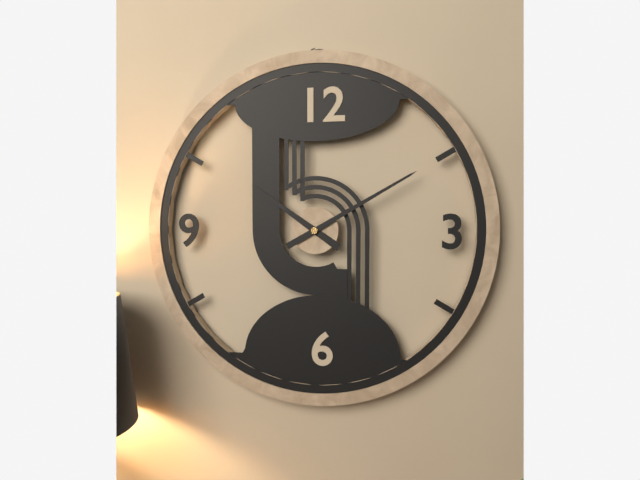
10:10
